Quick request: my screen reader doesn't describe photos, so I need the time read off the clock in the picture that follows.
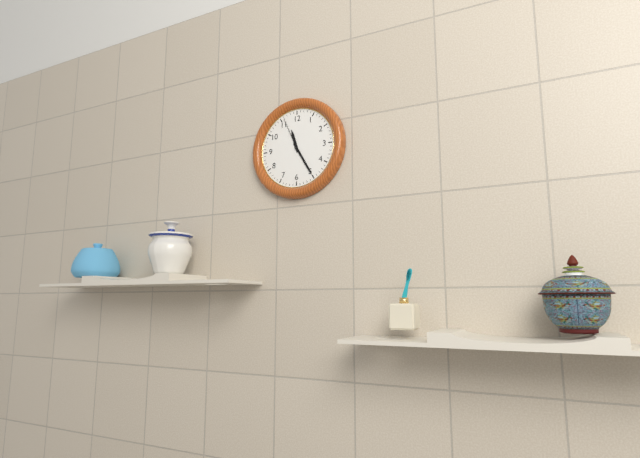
11:25
